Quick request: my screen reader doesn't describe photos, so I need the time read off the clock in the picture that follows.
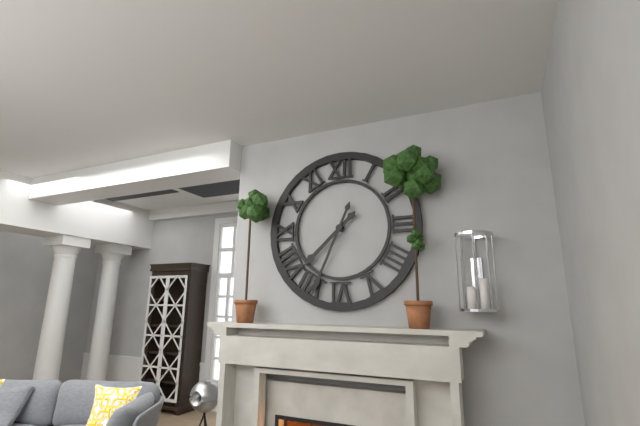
7:34
